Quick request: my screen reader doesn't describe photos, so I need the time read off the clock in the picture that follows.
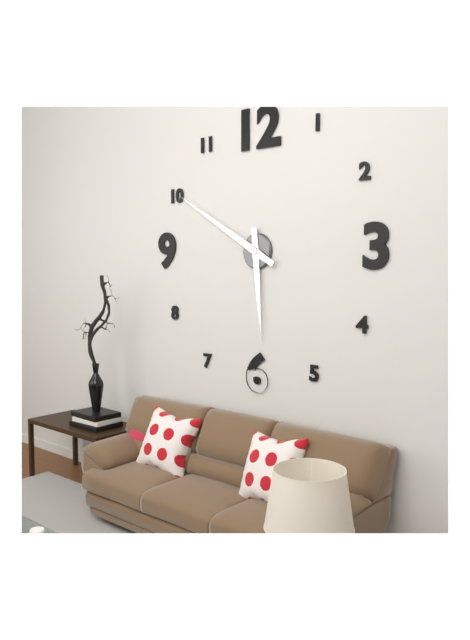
5:50
